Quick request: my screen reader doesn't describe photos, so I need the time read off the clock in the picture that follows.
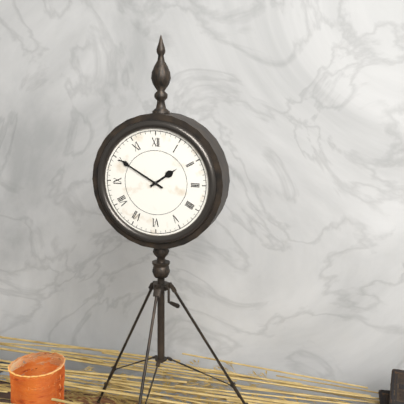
1:50
